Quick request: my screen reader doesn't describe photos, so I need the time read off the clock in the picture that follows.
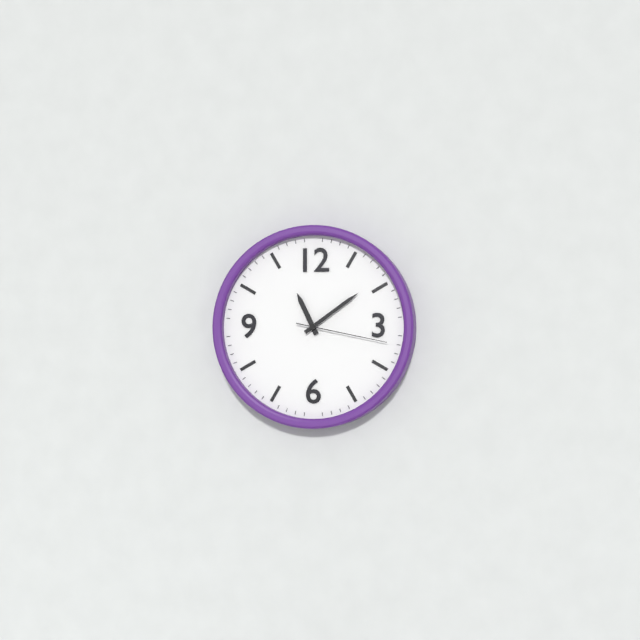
11:09:17
